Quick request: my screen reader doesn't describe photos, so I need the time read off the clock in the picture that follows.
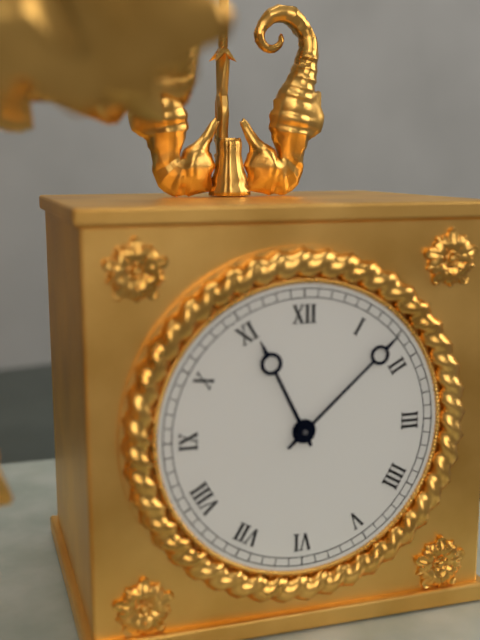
11:08
